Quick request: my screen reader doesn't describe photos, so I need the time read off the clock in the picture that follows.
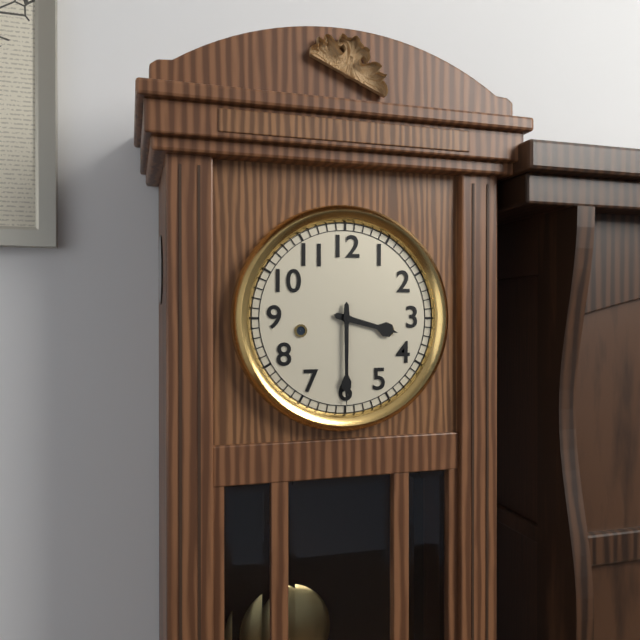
3:30
